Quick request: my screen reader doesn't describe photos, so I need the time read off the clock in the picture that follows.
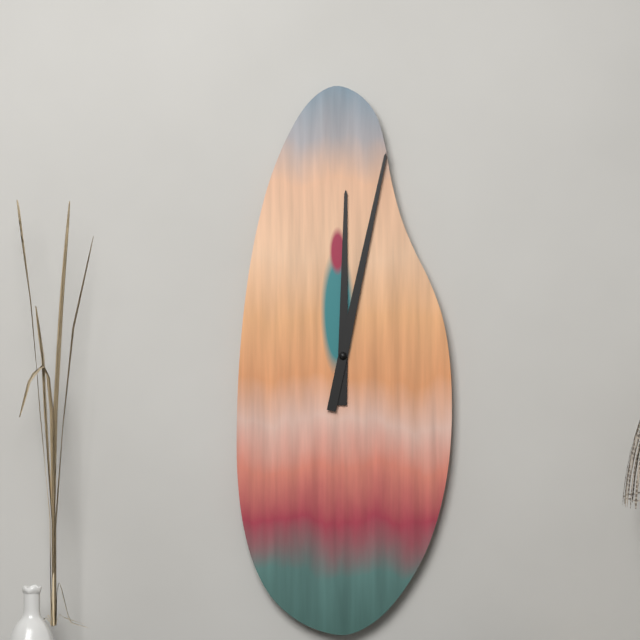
12:02
